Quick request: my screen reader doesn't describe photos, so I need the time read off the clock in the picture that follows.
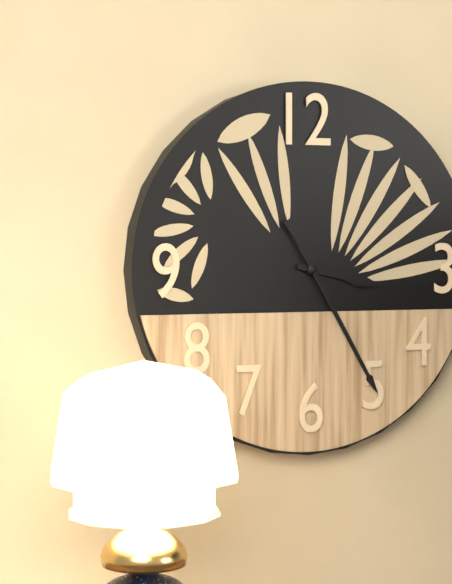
3:25
